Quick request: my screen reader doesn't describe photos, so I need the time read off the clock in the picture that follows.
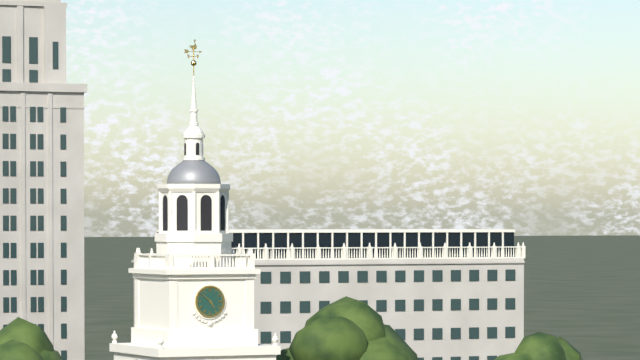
4:52
